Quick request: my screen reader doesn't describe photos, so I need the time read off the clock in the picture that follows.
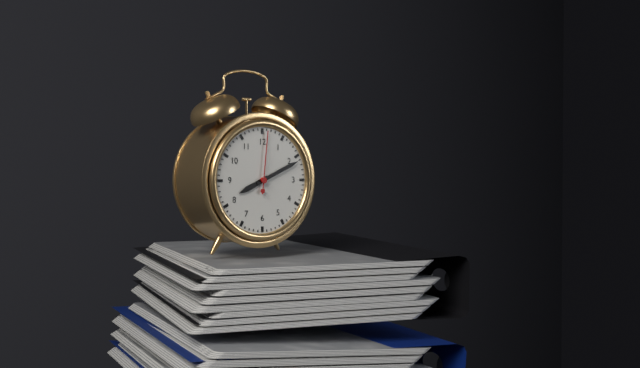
8:11:01
